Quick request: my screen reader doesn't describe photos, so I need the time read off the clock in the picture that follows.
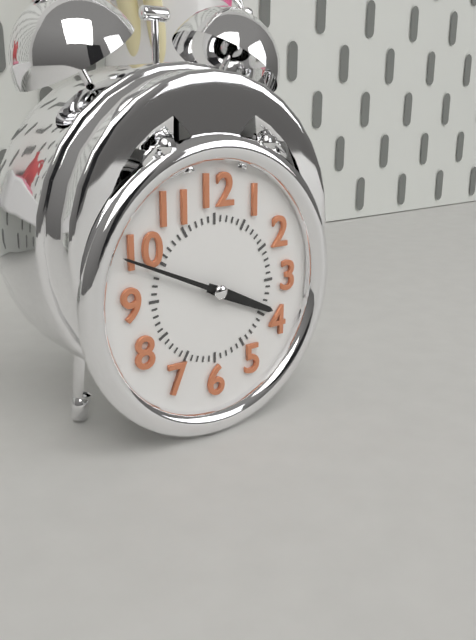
3:49
